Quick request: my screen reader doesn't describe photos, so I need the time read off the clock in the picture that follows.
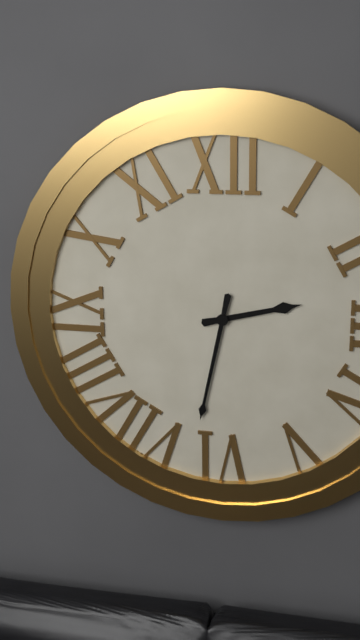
2:32
